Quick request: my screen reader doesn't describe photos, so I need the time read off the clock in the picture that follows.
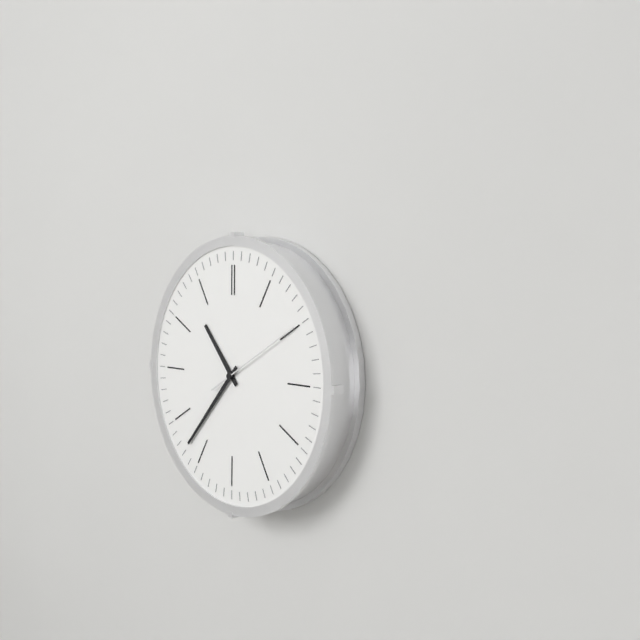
10:37:10
